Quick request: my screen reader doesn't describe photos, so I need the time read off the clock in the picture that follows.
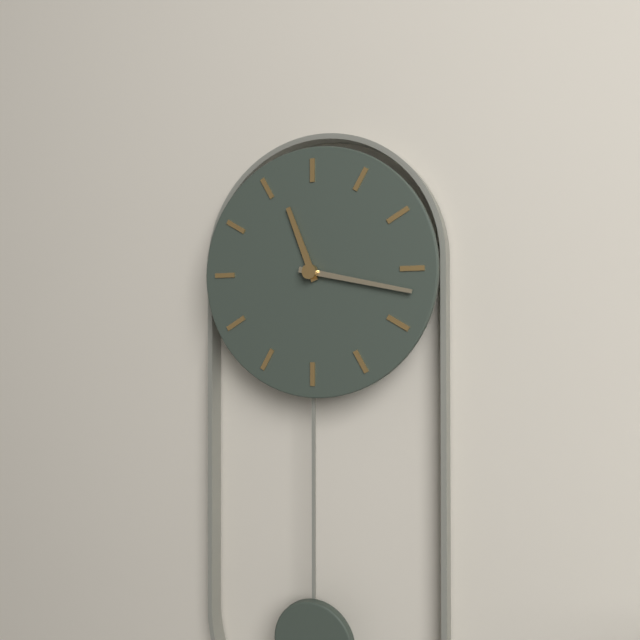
11:17
